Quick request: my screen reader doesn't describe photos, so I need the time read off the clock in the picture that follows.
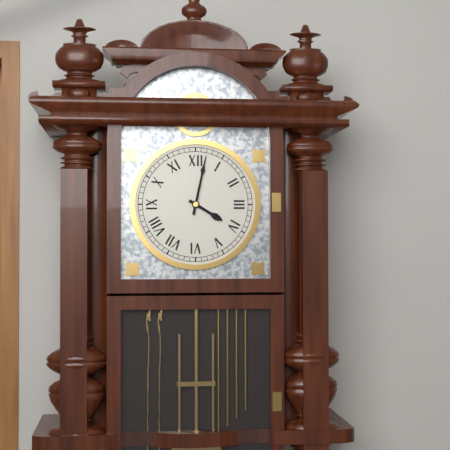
4:02
